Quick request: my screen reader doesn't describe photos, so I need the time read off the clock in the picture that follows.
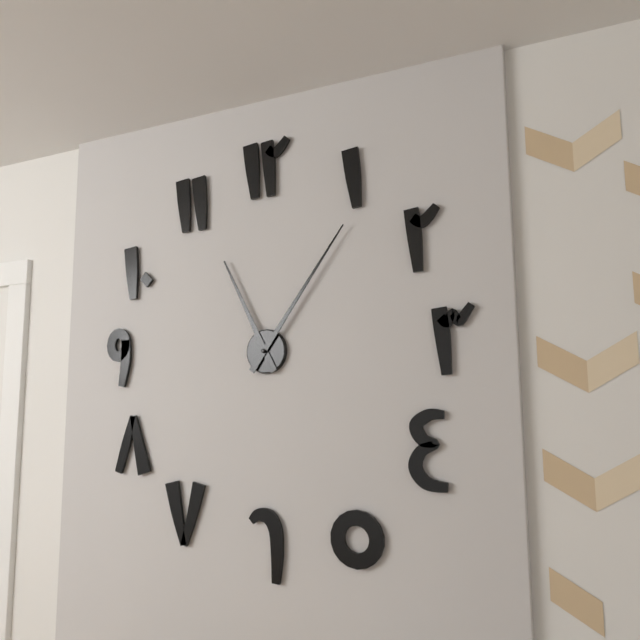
11:06
